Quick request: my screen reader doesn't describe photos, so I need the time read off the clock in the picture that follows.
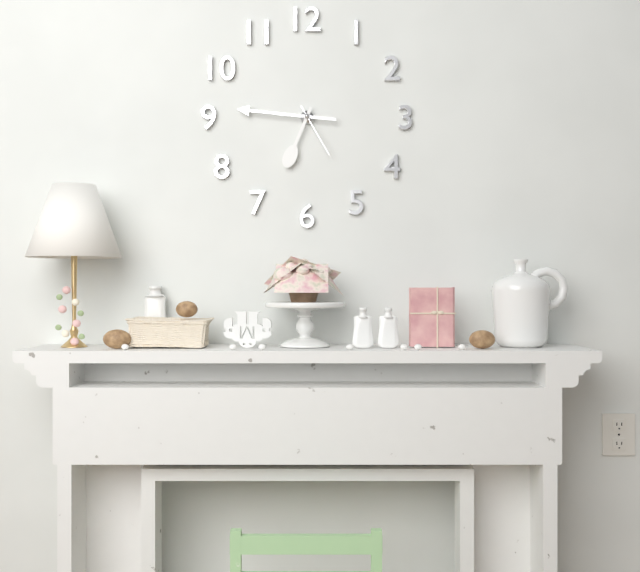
6:46:25
